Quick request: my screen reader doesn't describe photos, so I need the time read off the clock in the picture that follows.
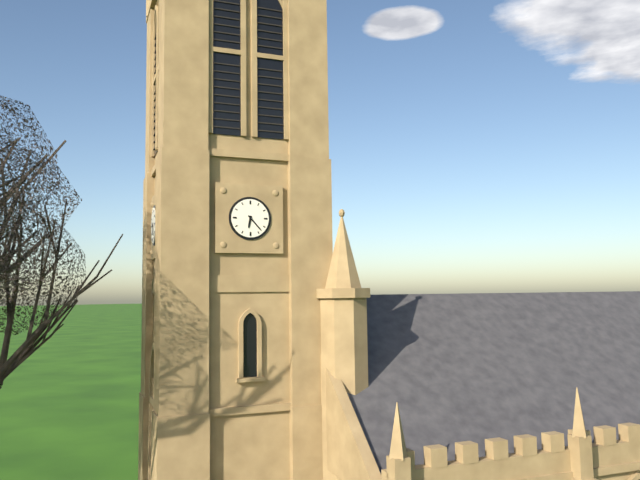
6:23
